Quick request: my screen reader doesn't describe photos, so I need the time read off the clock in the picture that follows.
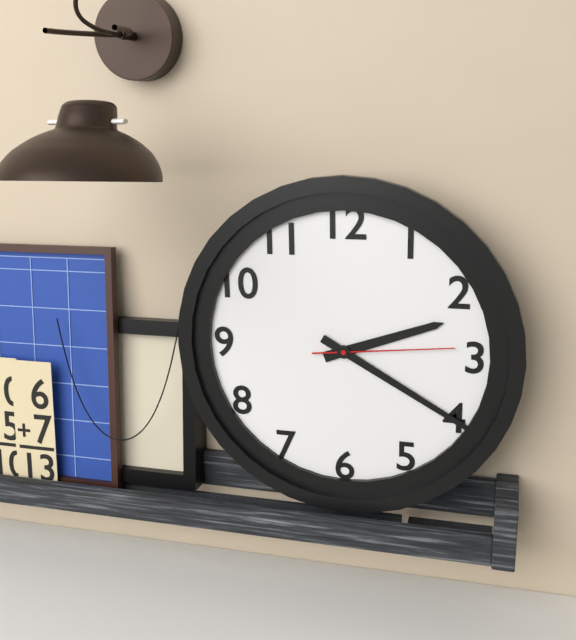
2:20:14
